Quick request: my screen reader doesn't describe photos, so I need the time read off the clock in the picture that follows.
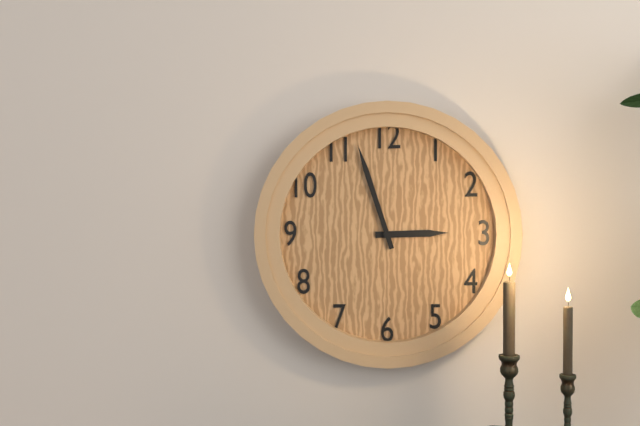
2:57
